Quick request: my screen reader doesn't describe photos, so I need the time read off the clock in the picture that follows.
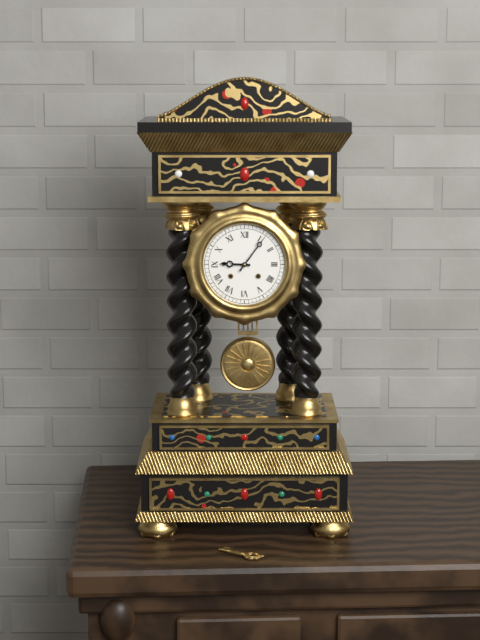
9:06
